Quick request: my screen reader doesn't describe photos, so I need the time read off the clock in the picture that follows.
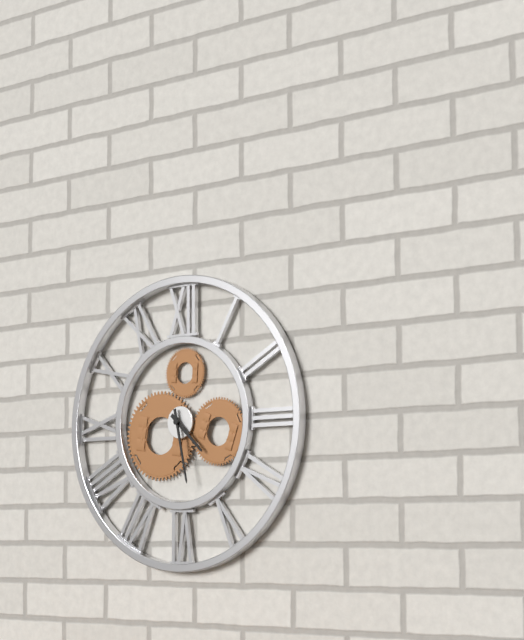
4:28
